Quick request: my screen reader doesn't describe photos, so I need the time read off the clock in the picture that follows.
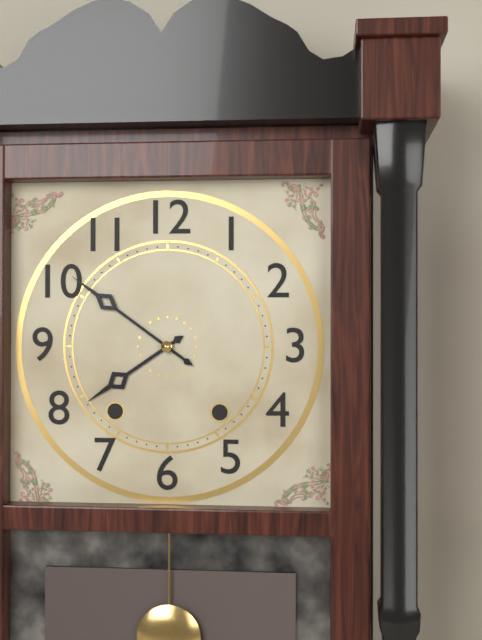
7:51
